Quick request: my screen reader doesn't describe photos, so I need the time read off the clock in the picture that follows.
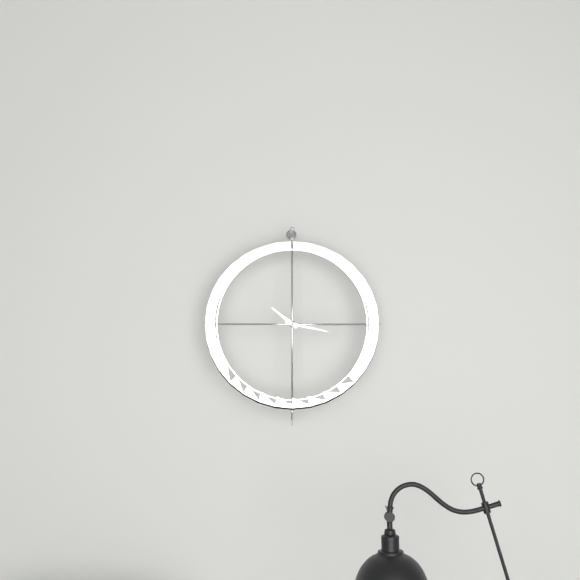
10:17
